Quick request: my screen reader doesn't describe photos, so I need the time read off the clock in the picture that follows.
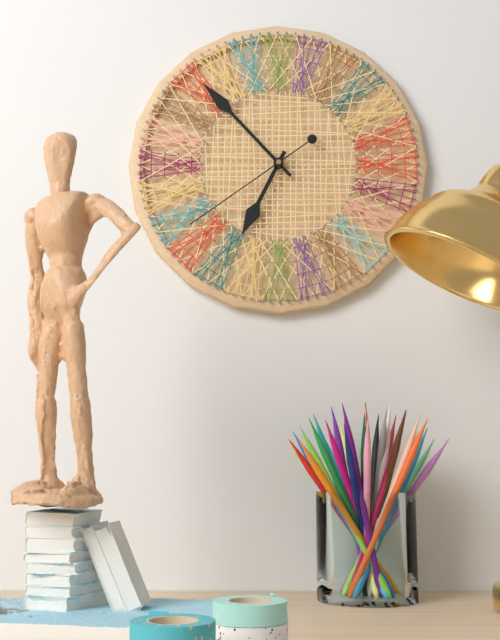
6:53:39
